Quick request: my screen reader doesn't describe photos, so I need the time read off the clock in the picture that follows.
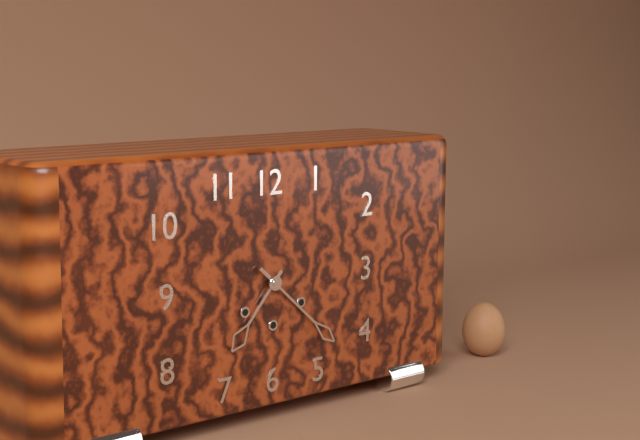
7:22
